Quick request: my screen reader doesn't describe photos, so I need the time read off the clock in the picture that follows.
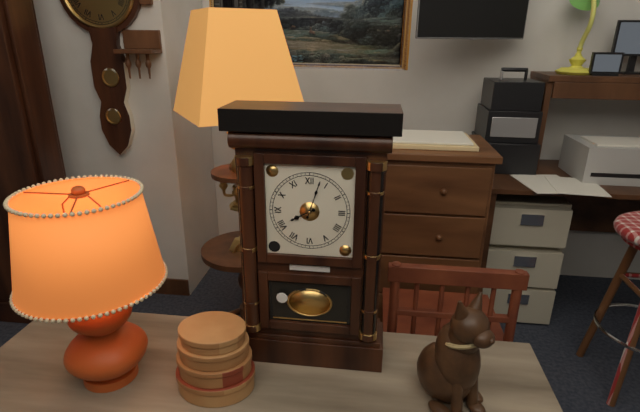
8:03
